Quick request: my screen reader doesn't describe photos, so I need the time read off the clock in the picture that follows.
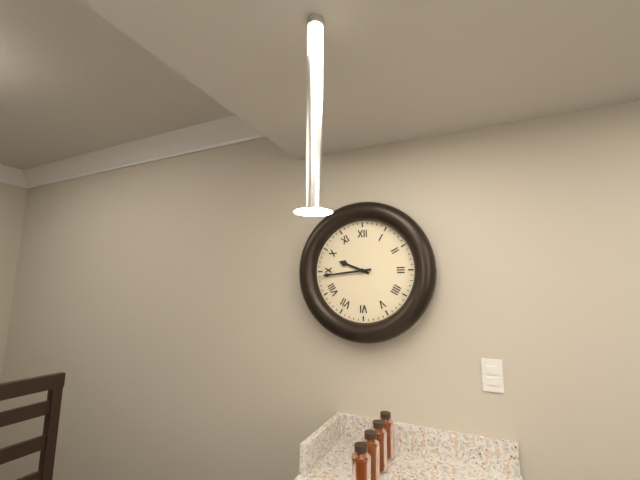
9:44
